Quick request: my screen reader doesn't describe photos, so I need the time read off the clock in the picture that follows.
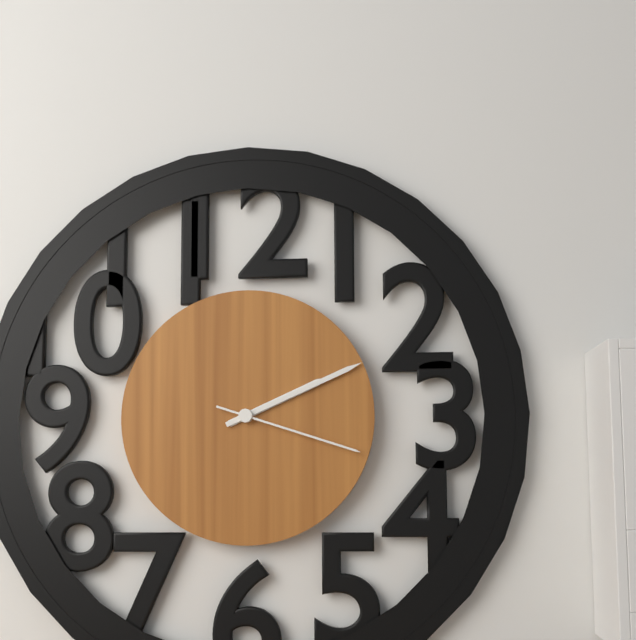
2:11:18
